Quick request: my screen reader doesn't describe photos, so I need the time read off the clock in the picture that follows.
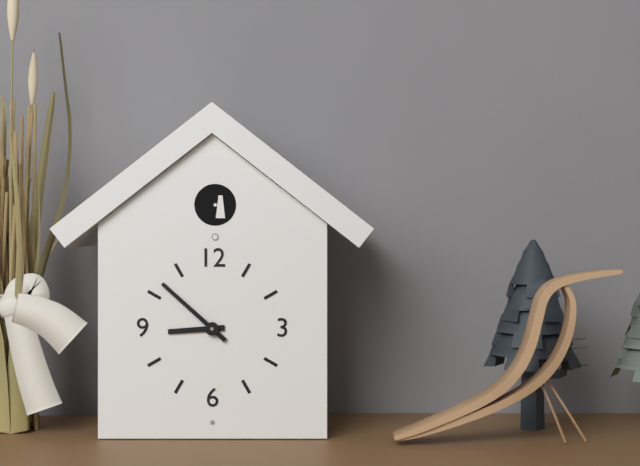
8:52
